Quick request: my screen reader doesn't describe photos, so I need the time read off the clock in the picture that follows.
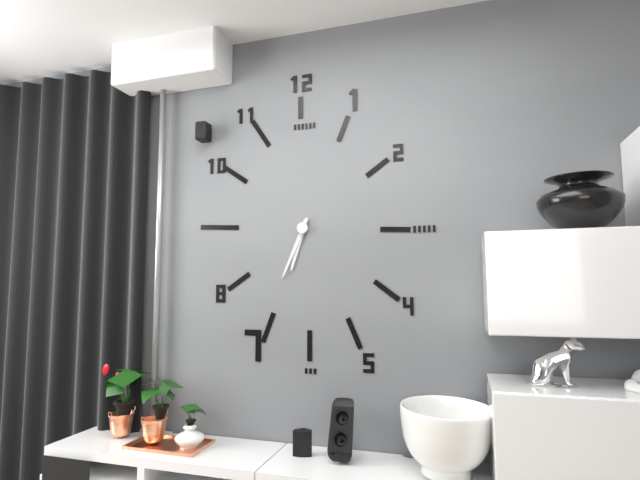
6:34
